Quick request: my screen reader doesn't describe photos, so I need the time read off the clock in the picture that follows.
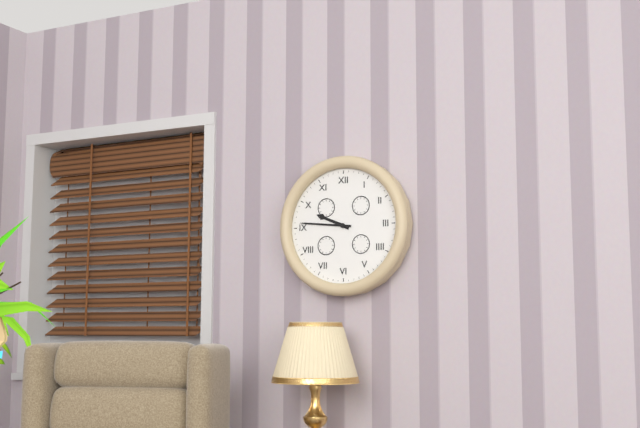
9:46
